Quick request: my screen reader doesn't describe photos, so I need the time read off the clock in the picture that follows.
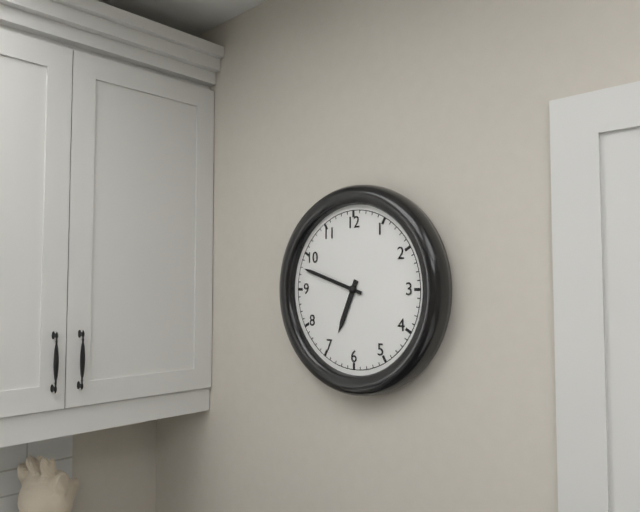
6:48
